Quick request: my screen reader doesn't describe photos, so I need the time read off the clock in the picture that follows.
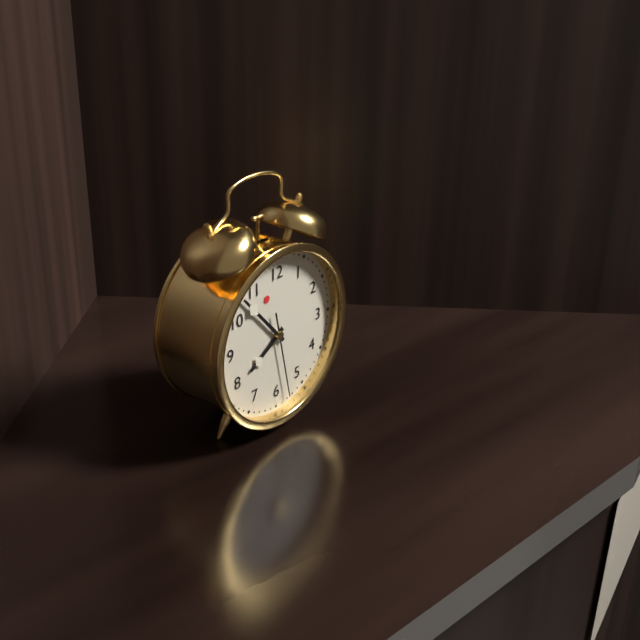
7:53:28
